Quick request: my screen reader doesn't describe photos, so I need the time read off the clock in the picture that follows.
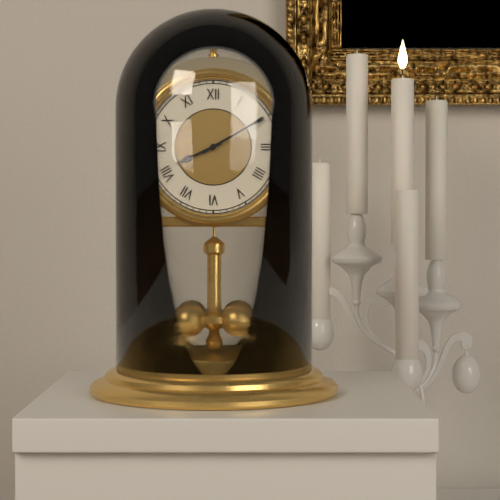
8:10
